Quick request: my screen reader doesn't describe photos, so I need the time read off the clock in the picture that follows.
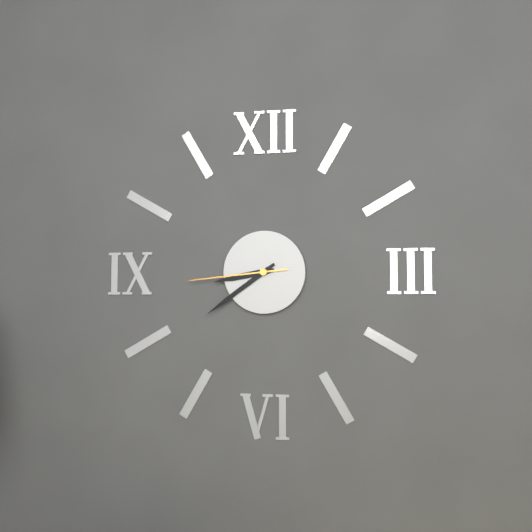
8:39:44
